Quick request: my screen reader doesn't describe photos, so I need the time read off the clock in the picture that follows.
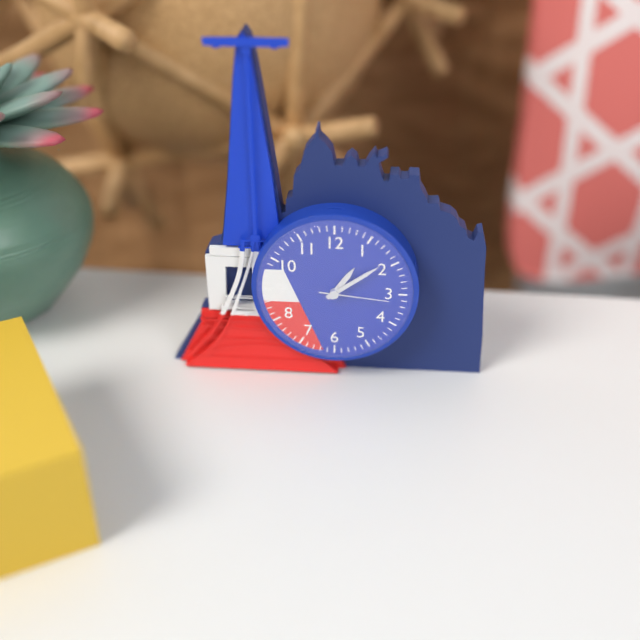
1:09:16
